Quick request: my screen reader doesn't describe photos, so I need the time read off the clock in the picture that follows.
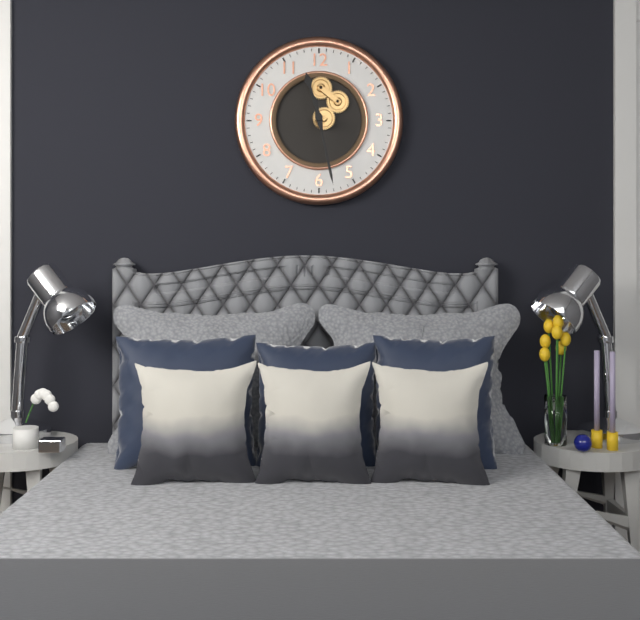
11:28
